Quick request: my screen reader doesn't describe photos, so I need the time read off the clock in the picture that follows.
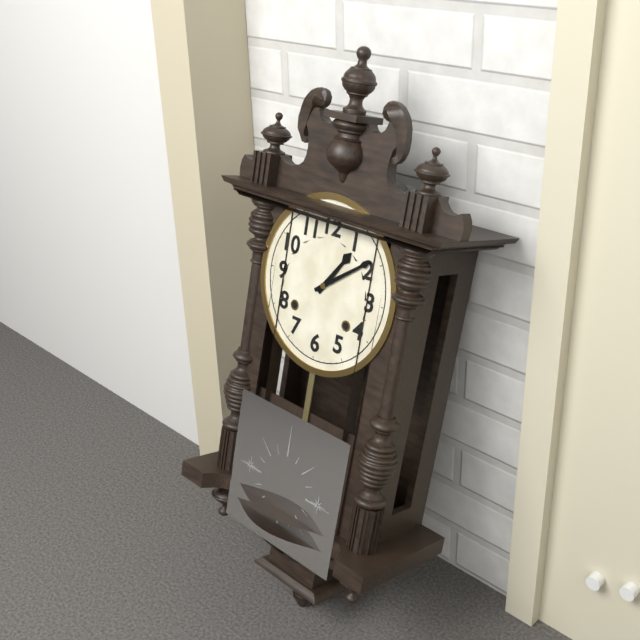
1:09
